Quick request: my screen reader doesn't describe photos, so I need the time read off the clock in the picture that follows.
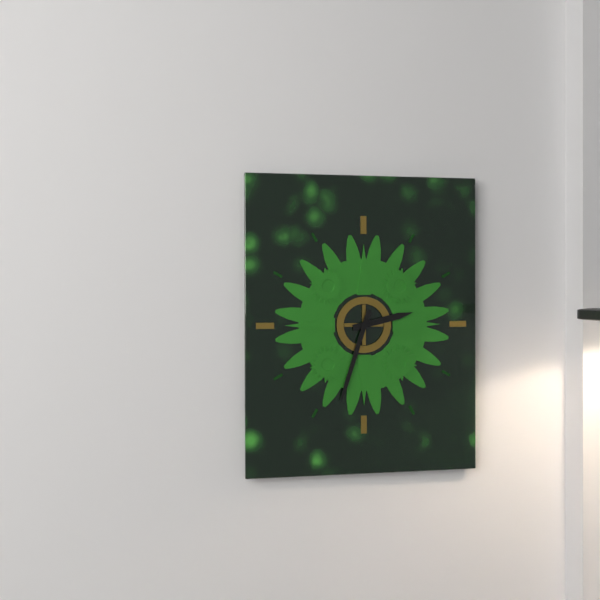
2:33
